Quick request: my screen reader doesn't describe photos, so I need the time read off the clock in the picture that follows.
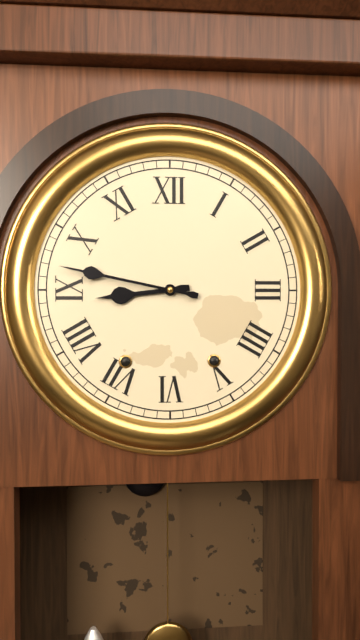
8:47
